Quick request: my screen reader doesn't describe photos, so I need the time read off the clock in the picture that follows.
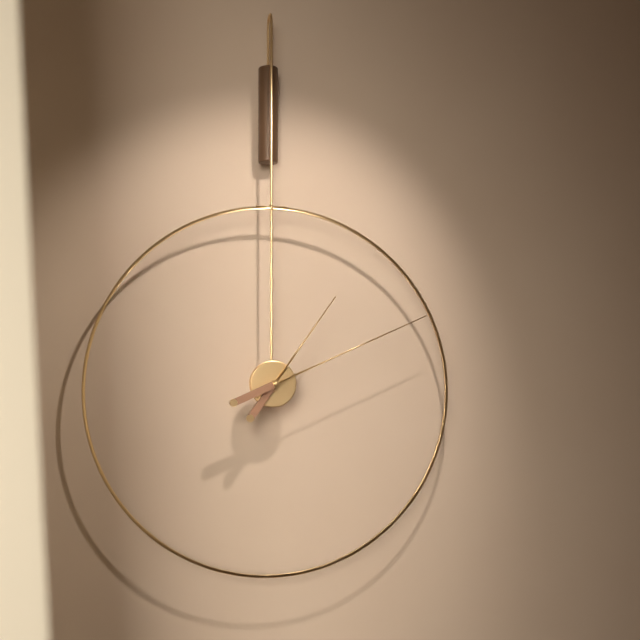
1:11
